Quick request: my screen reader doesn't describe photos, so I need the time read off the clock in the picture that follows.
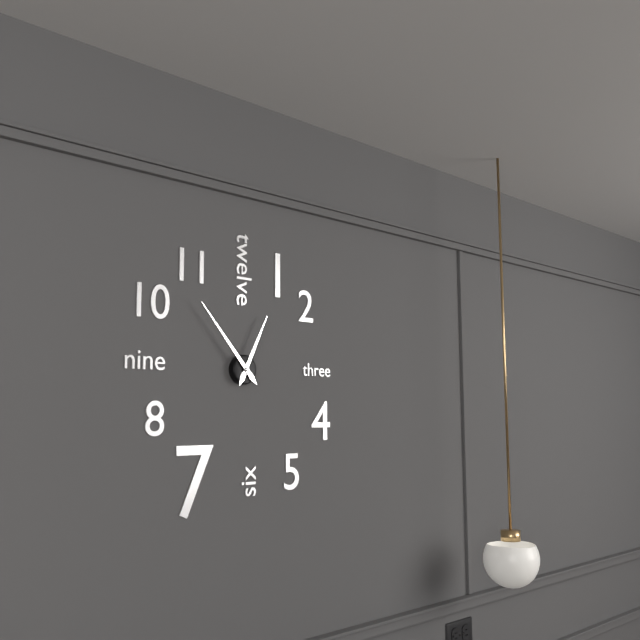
12:53
